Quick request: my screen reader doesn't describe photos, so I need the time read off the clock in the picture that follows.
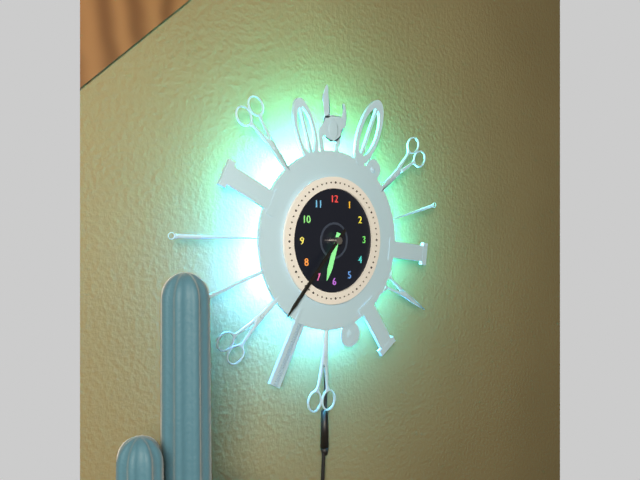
6:37
